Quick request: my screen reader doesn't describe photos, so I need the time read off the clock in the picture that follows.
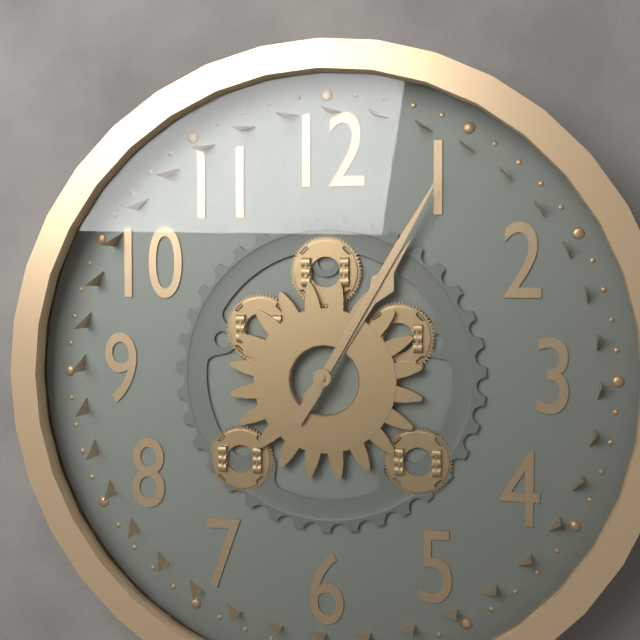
1:05
